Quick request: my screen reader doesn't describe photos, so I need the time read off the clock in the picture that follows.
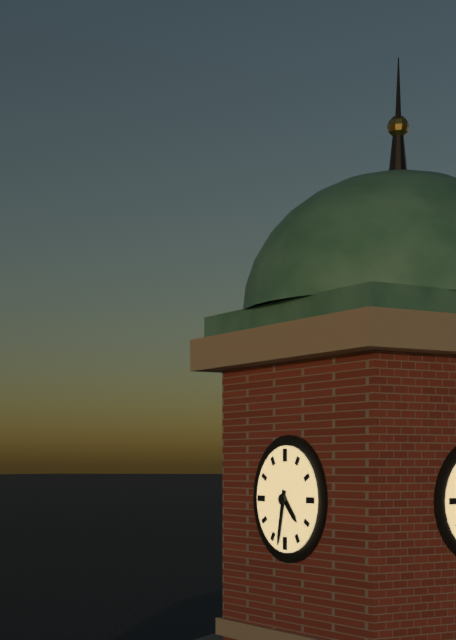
4:32
